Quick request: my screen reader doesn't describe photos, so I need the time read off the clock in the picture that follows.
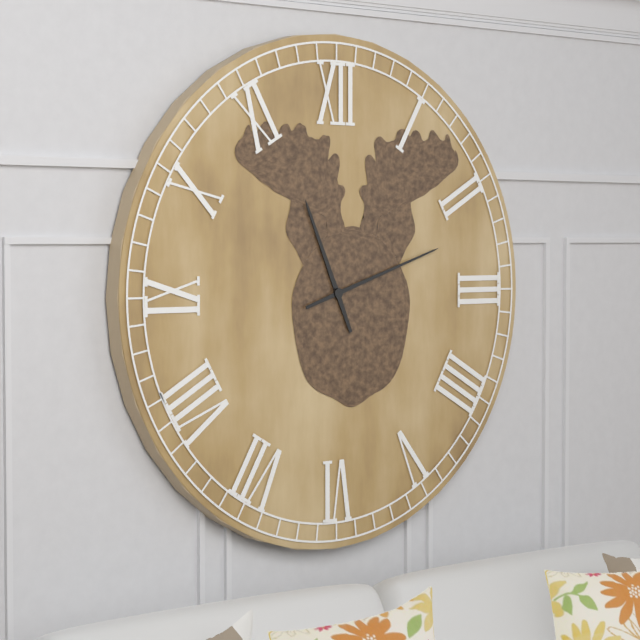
11:12
